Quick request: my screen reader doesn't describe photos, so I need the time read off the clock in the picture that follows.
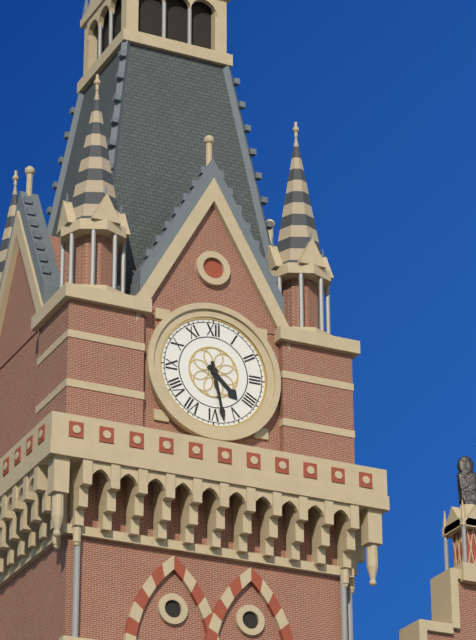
4:28
